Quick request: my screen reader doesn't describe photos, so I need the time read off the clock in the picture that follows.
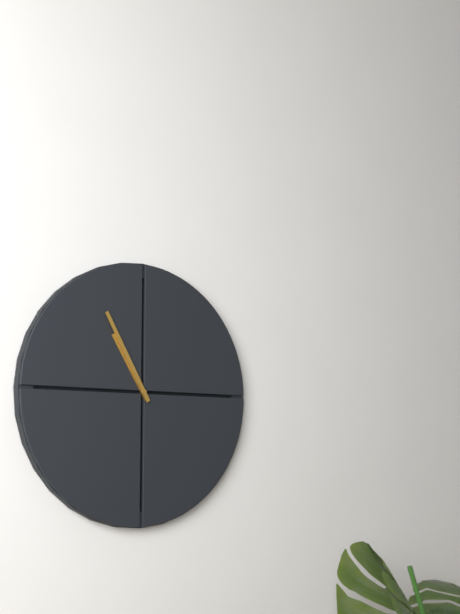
10:55
